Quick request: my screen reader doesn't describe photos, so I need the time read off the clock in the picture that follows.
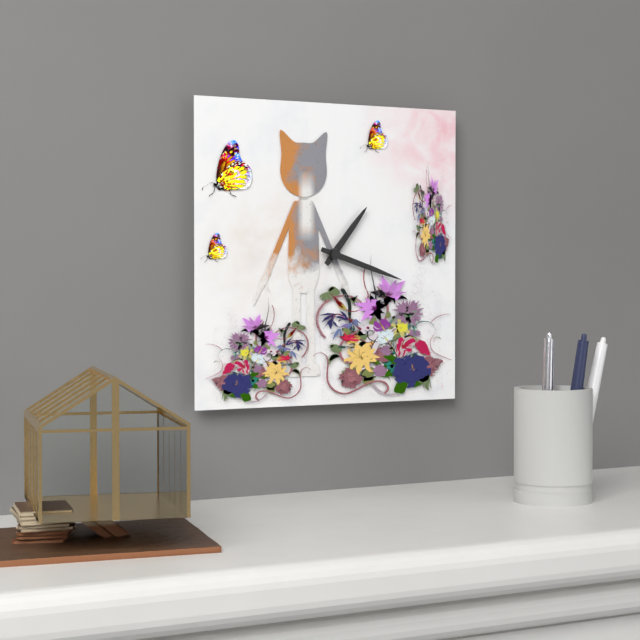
1:18
